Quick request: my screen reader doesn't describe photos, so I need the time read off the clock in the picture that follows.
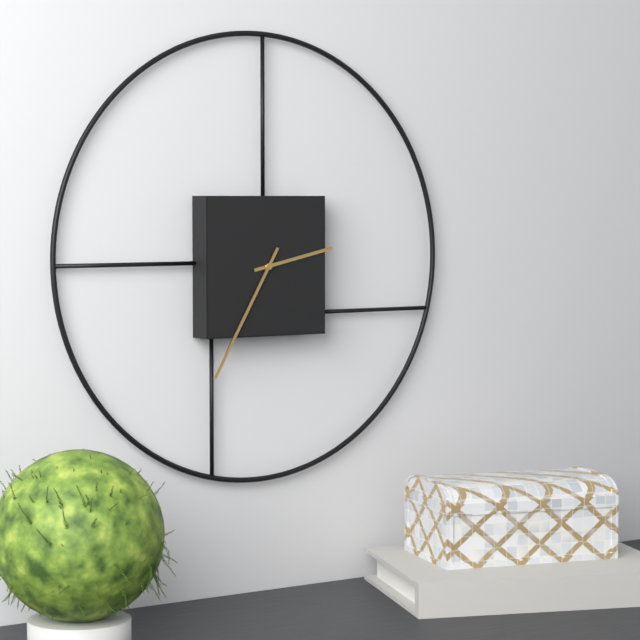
2:35
